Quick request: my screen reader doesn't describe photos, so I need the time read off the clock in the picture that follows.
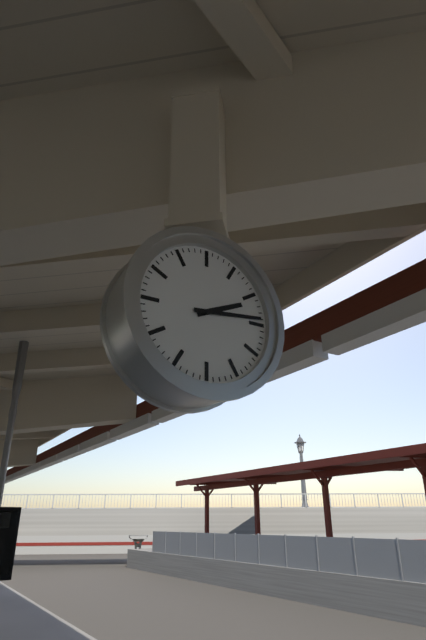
2:14
